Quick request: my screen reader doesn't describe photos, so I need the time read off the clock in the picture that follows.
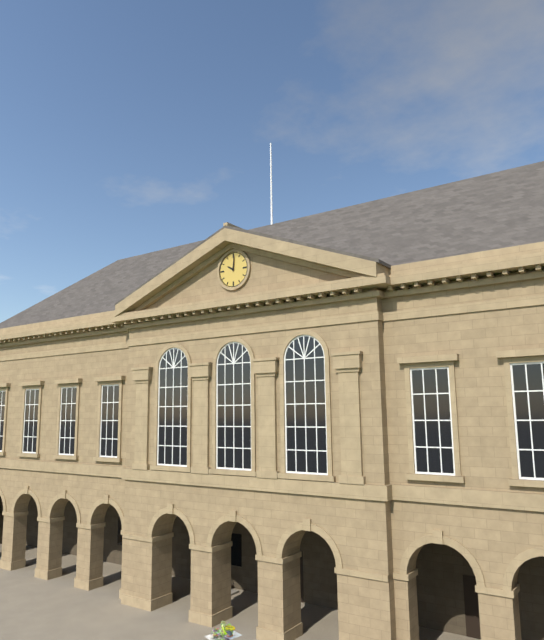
10:01
